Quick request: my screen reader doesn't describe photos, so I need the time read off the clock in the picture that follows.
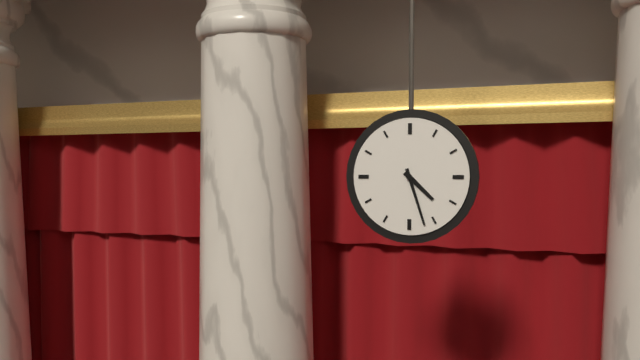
4:27
